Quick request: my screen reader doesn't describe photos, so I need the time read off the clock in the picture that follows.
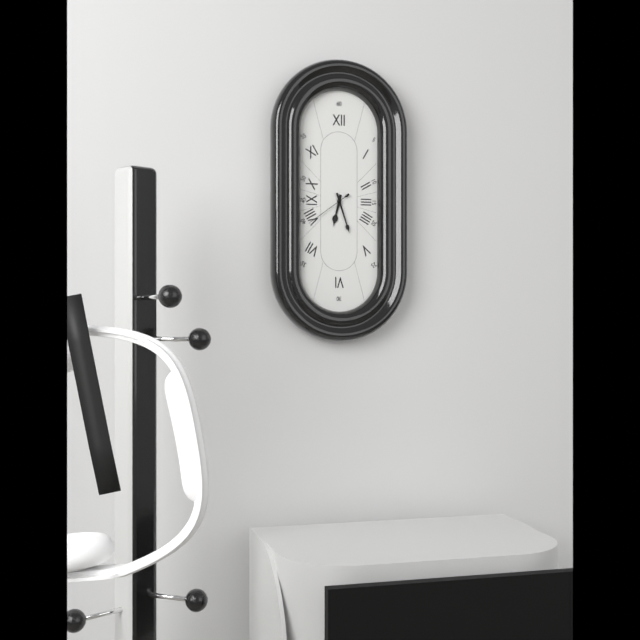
6:27
